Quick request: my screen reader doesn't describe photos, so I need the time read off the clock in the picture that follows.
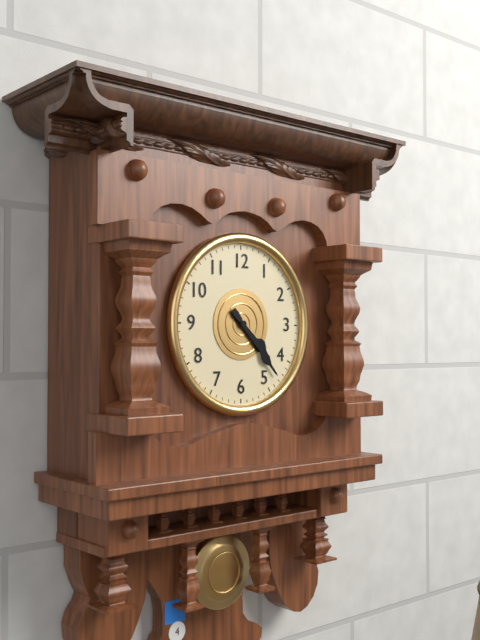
4:23
